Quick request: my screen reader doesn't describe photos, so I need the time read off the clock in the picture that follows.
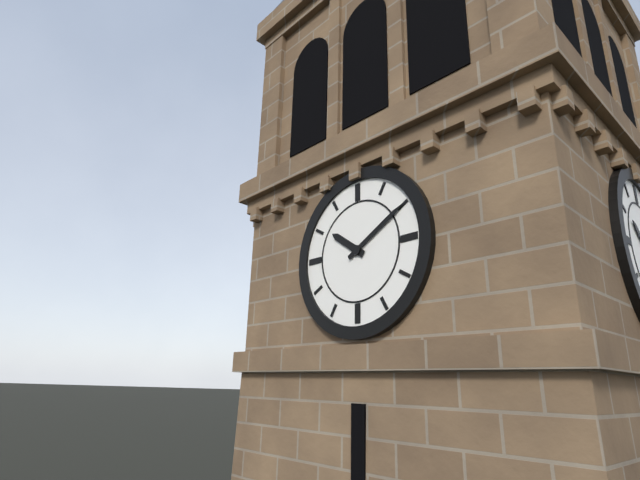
10:10
